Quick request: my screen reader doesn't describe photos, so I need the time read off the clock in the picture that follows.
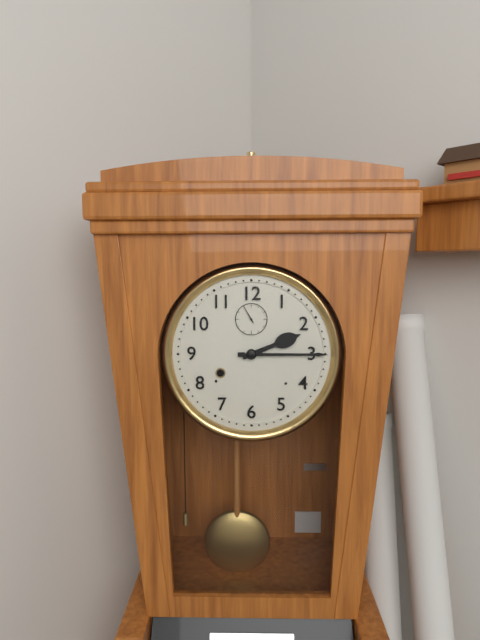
2:15
